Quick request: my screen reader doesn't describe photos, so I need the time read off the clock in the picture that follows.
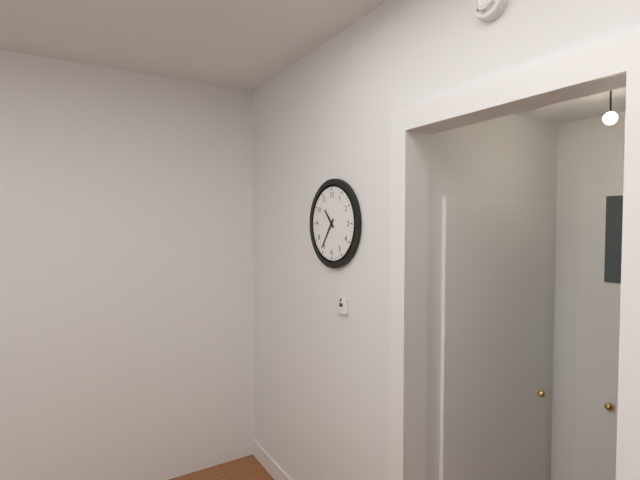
10:36
